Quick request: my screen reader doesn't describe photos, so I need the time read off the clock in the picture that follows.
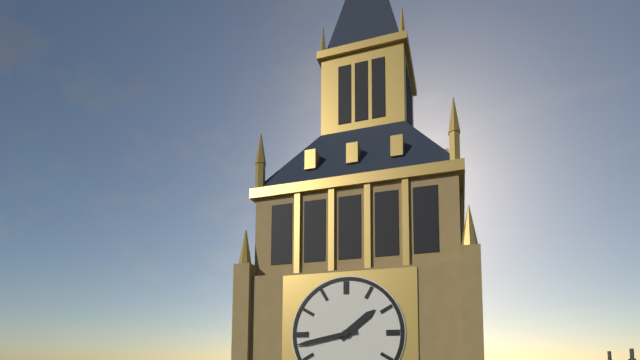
1:43
